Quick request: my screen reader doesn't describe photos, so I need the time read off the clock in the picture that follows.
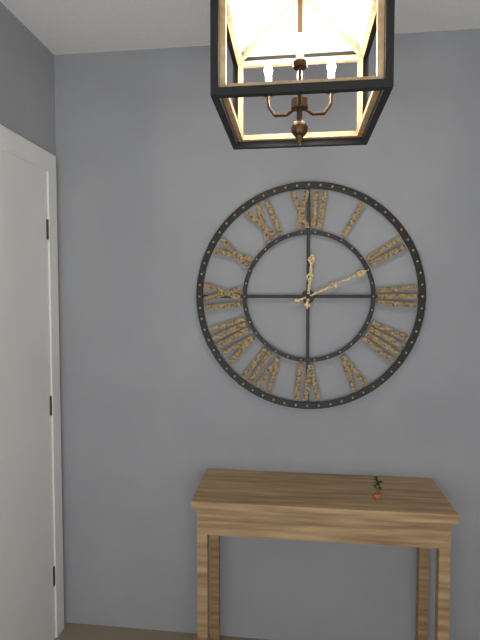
12:11
